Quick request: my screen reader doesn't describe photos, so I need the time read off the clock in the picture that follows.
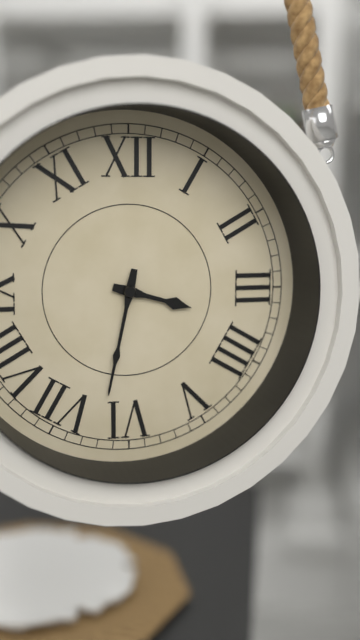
3:32
